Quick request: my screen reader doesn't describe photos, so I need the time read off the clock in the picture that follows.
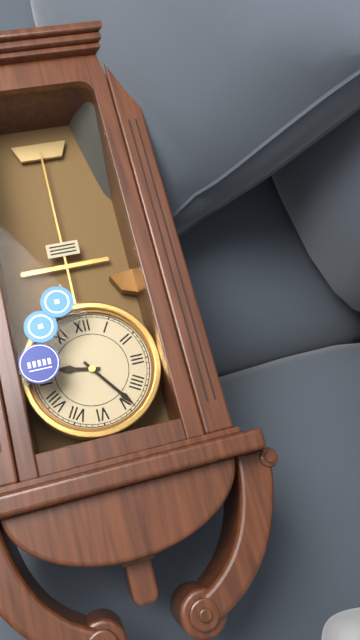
9:24
